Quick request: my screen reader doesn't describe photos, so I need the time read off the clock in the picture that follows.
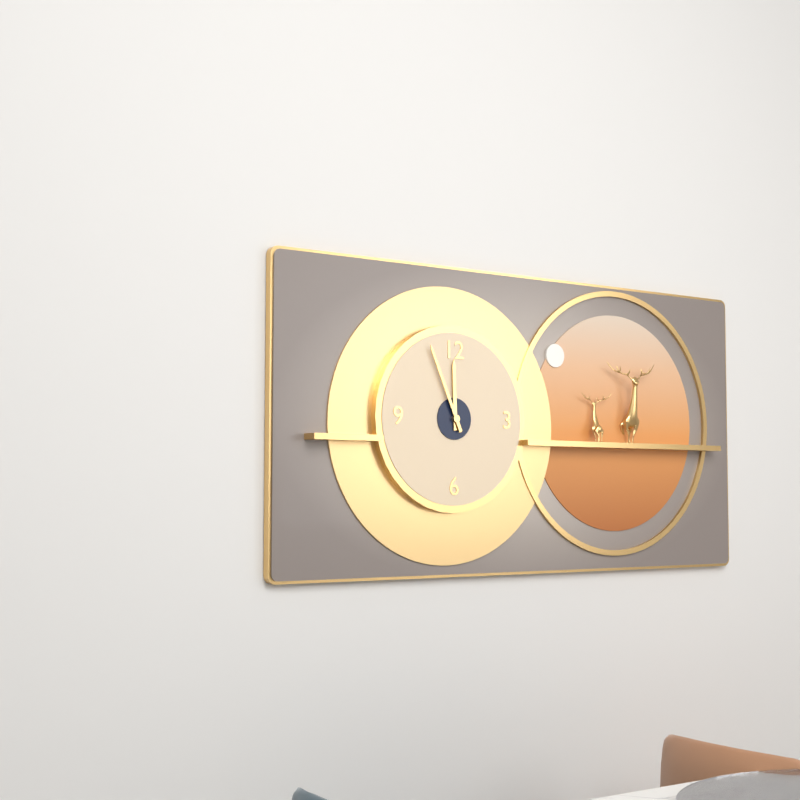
11:56
